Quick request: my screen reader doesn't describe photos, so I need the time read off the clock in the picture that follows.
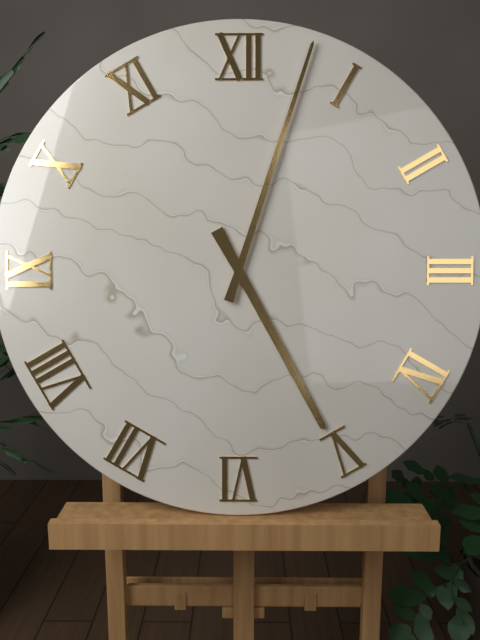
5:03
